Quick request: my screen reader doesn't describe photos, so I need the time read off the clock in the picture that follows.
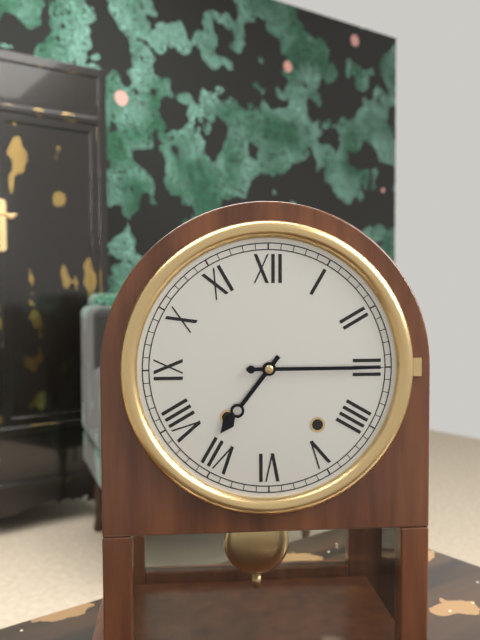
7:15
